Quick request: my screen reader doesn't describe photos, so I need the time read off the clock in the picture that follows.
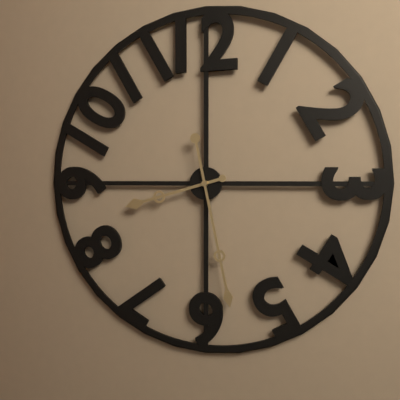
8:28
